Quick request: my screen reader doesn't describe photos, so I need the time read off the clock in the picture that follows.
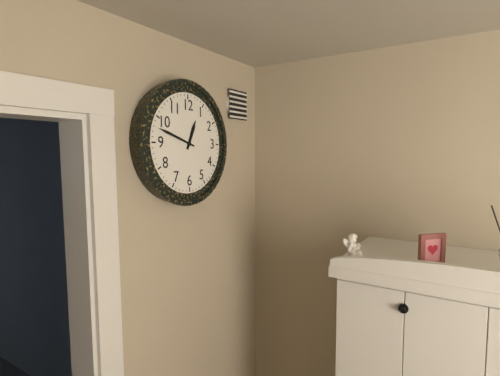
12:48
